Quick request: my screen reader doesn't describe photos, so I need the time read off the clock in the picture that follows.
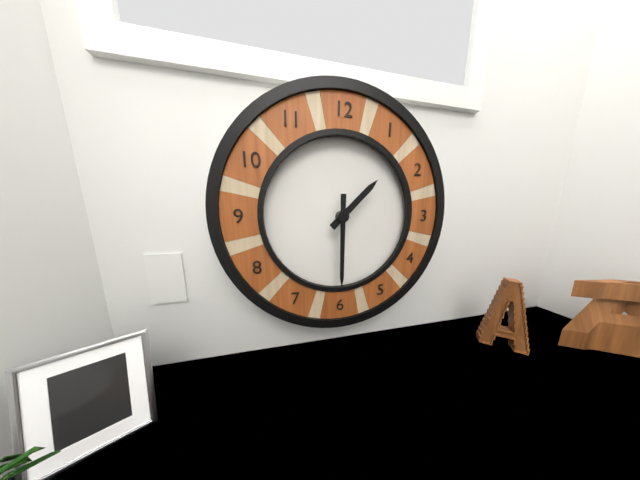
1:30
